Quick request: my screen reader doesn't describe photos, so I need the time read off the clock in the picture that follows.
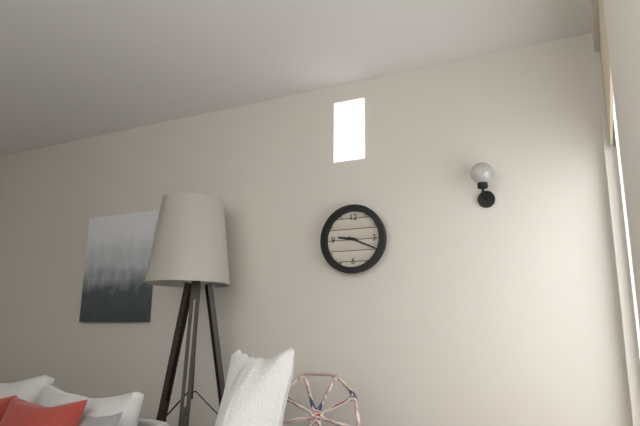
9:19
